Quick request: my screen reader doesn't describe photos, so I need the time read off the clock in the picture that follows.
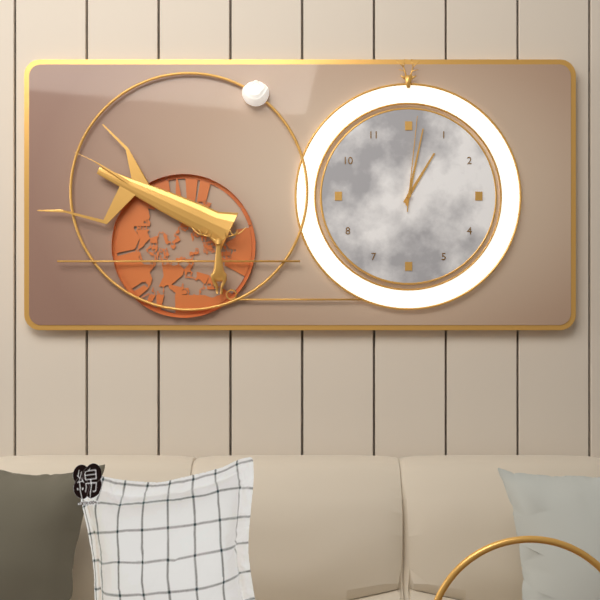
1:02:01
